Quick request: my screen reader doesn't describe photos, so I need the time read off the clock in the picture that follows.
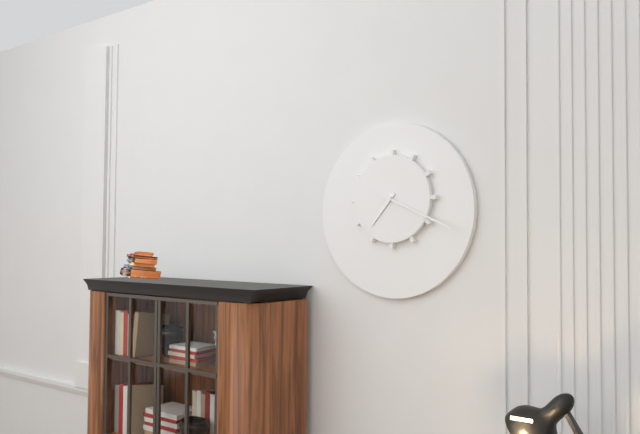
7:19
